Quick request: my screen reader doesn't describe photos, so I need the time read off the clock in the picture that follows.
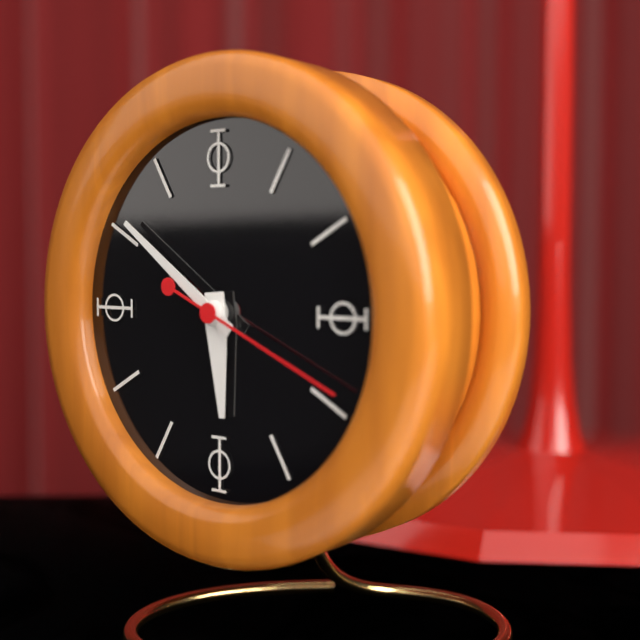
5:51:19
